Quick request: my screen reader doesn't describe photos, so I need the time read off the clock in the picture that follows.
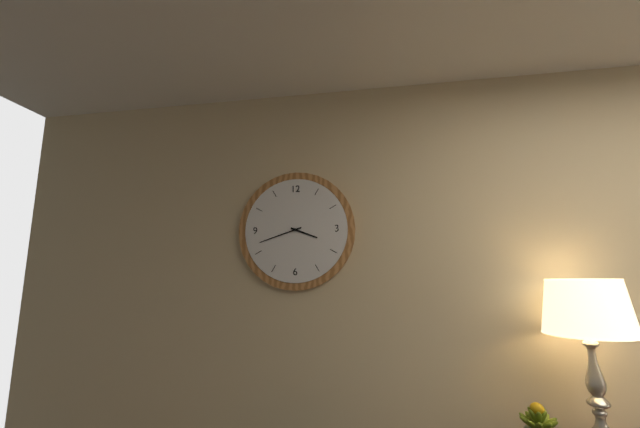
3:42
